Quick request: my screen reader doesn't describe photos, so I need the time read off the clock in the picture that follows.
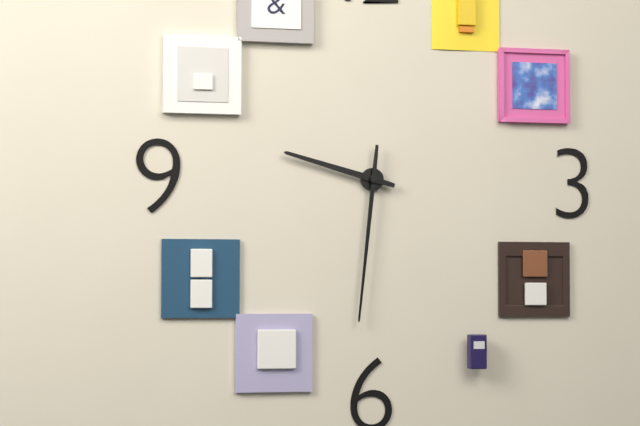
9:31
